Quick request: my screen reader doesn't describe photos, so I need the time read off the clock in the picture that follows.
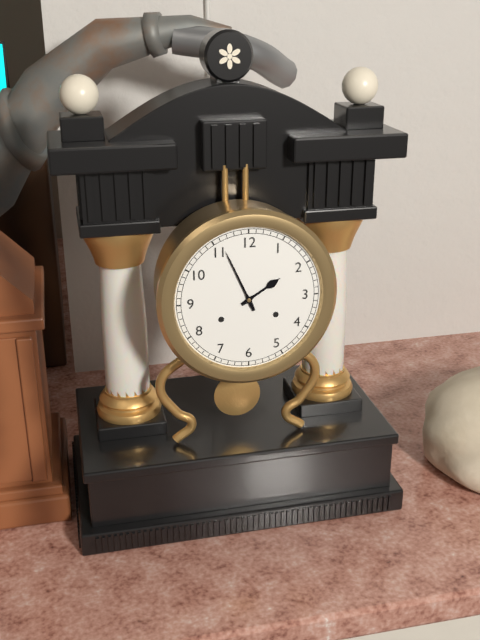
1:56
